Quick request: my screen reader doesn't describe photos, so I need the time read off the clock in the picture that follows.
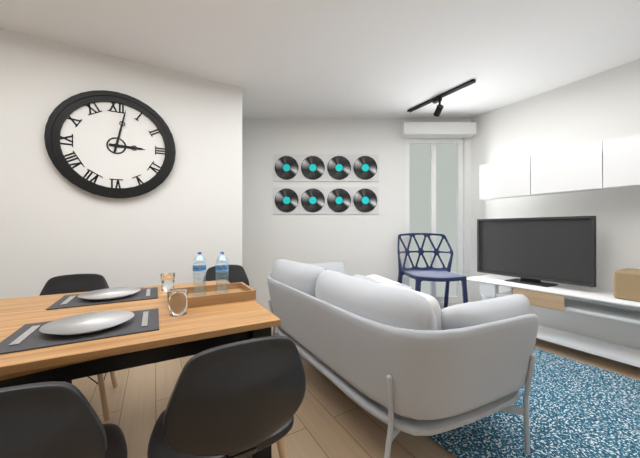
3:02
